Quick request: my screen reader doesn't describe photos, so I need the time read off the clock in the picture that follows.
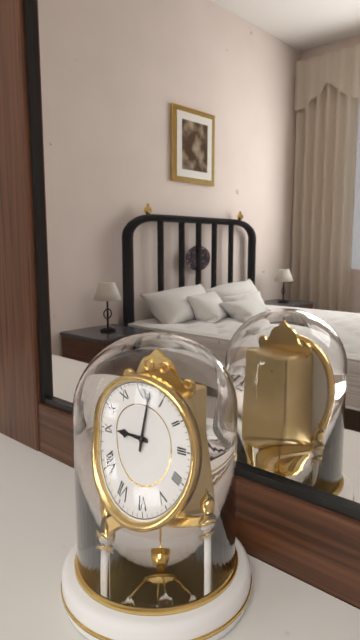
9:02
